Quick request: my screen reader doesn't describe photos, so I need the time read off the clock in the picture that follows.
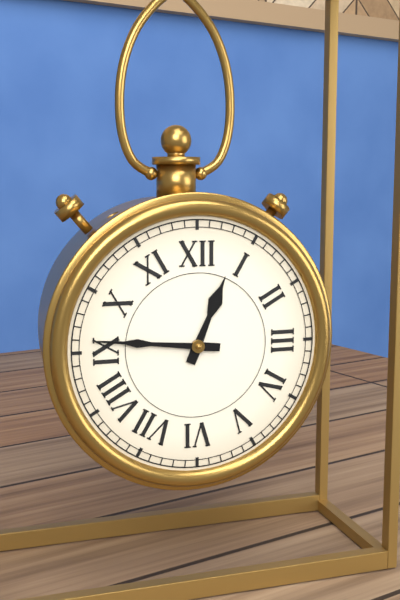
12:46
